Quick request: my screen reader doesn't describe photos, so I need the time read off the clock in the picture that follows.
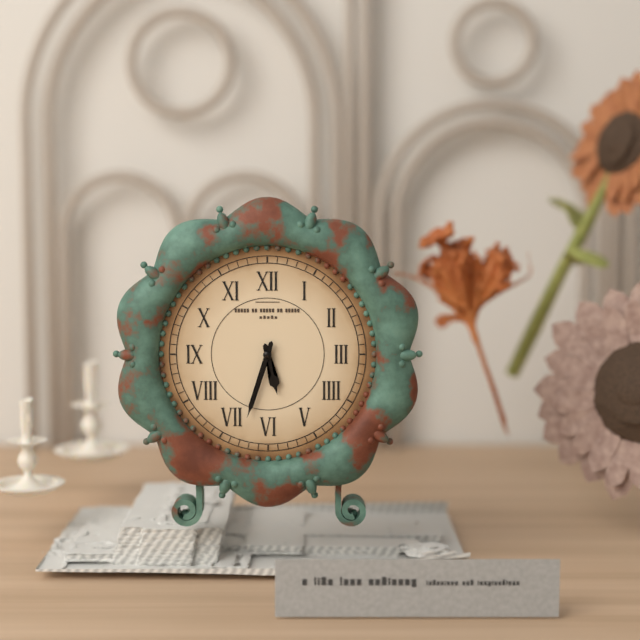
5:33
